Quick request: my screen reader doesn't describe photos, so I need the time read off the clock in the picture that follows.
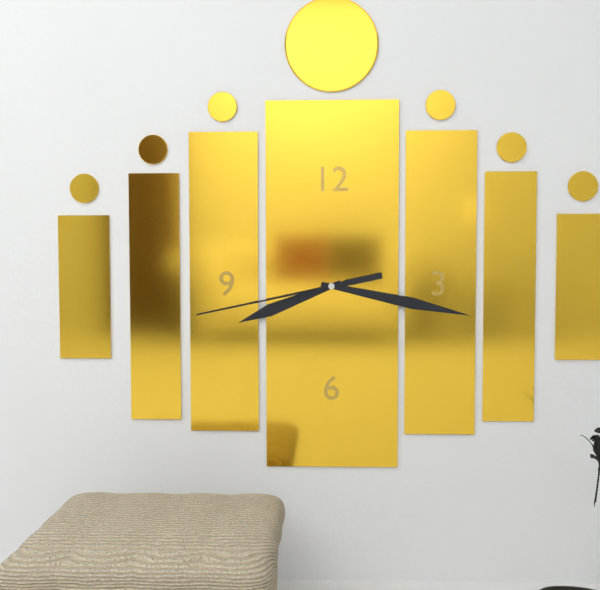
8:17:43
